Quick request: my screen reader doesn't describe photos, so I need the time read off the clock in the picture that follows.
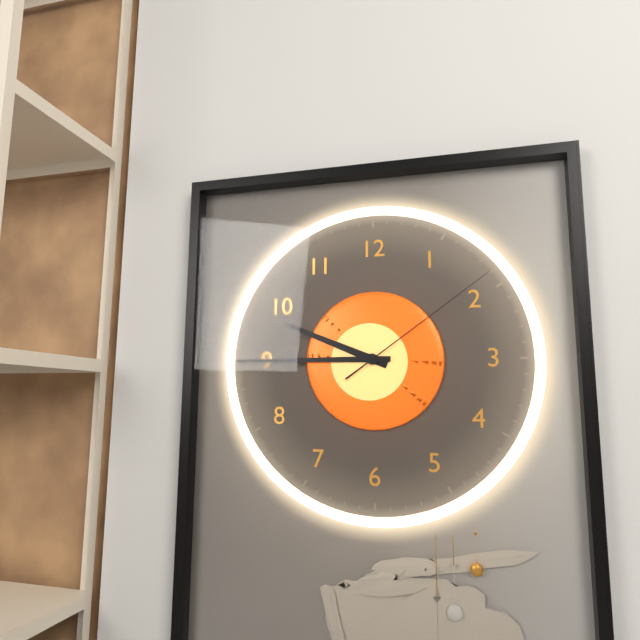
9:45:09
